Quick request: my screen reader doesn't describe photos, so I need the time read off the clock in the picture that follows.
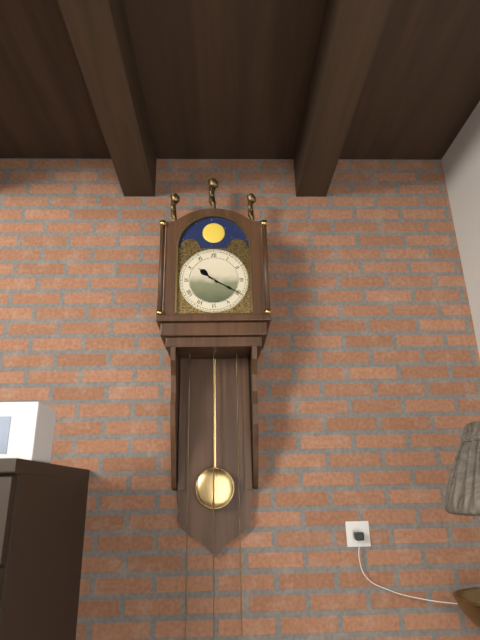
10:20
